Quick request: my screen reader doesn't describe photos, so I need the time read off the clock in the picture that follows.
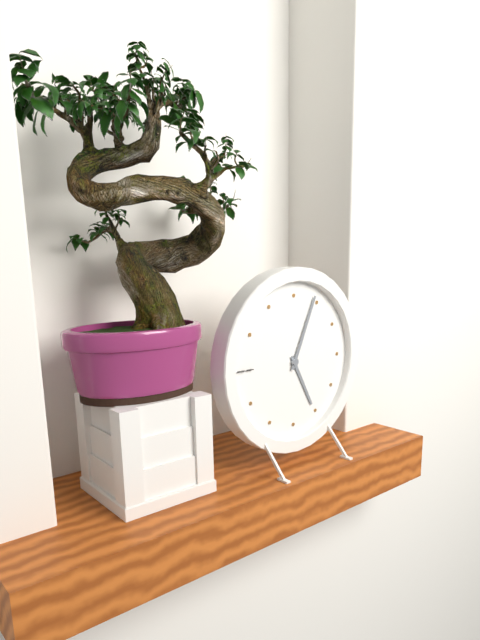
5:04
